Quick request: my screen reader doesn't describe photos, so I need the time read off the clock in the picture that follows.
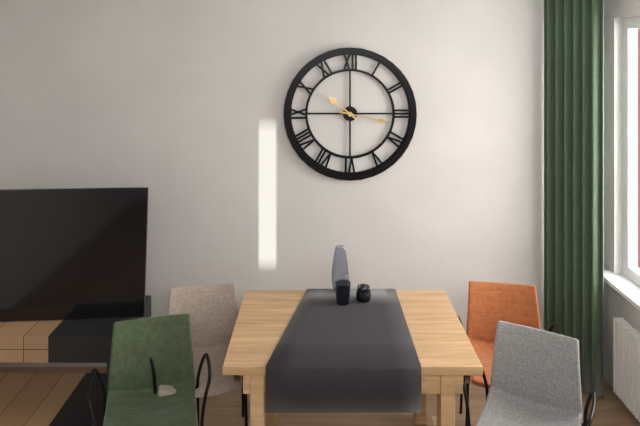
10:17
